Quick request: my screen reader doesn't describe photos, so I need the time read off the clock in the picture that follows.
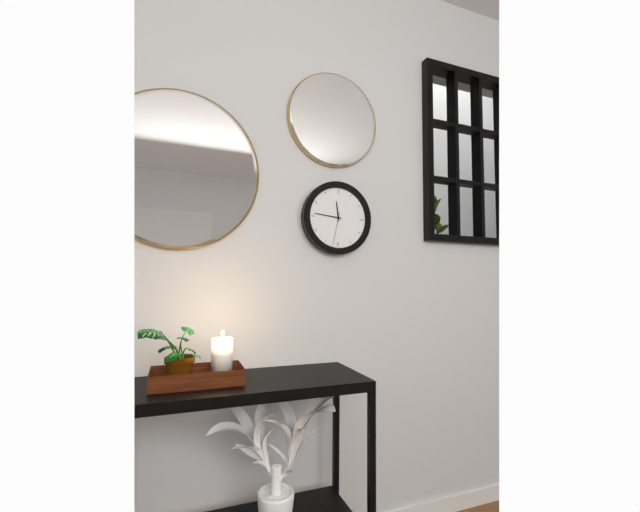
11:46
